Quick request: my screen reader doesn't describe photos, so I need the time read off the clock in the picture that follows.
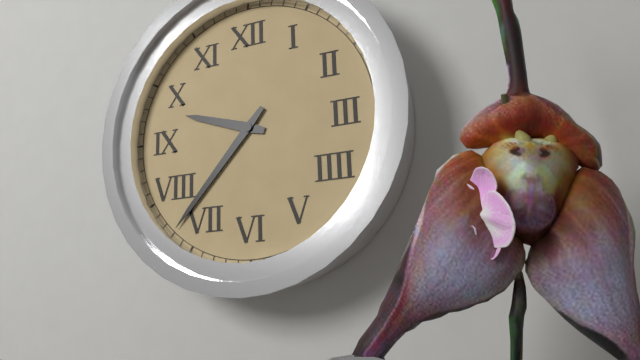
9:37
